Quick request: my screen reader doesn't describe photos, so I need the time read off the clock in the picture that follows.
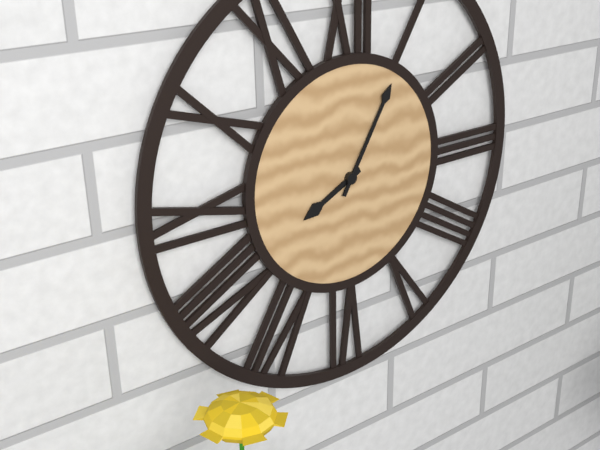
8:05
